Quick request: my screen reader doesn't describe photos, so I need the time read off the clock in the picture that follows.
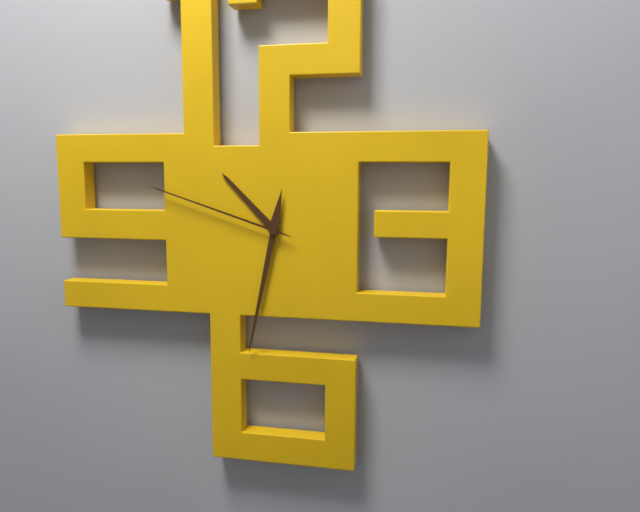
10:32:48
